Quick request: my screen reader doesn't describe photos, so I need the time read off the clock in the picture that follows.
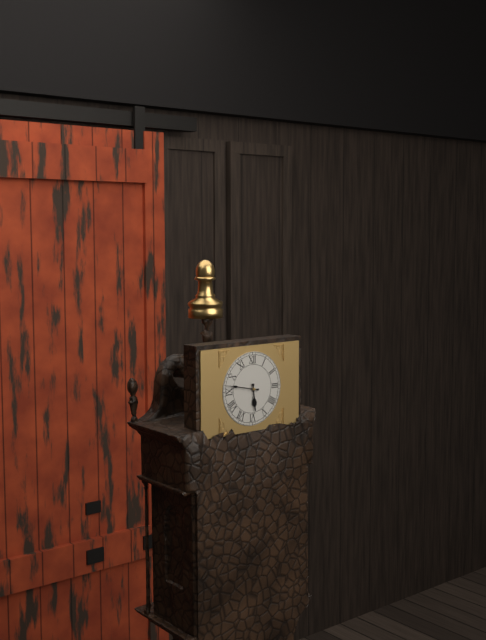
5:47
